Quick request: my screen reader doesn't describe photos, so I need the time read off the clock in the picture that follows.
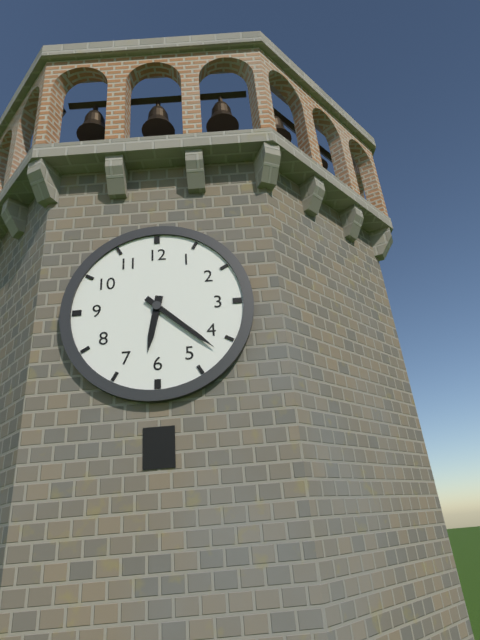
6:22
